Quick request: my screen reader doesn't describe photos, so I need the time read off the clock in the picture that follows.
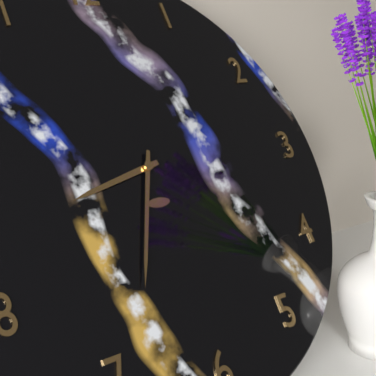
8:34
